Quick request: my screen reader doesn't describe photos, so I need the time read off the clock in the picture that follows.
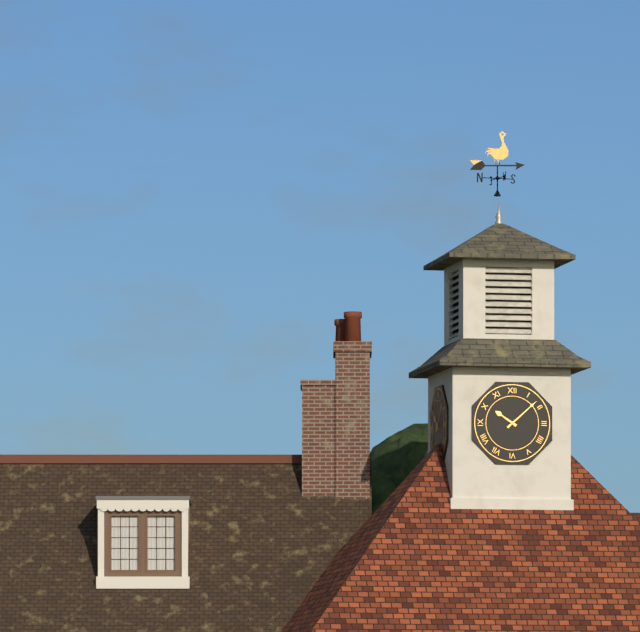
10:08
